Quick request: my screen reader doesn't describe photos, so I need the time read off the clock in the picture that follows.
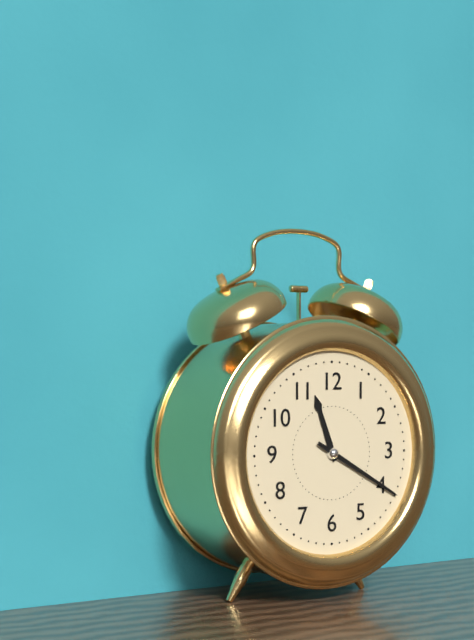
11:20
